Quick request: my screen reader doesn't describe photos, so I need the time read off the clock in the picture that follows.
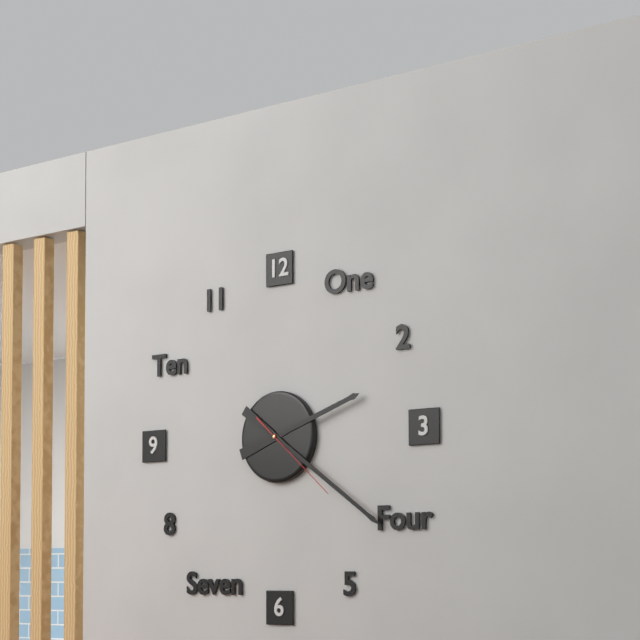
2:21:22
